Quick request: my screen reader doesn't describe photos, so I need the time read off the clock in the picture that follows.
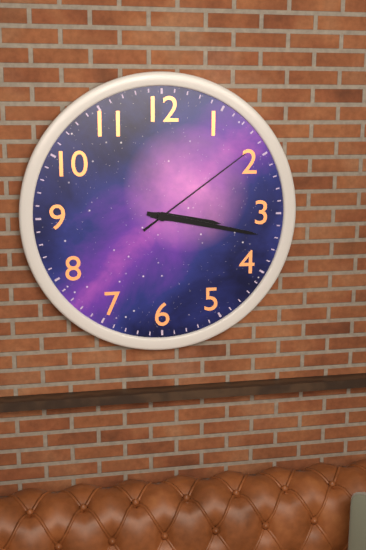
3:17:09
